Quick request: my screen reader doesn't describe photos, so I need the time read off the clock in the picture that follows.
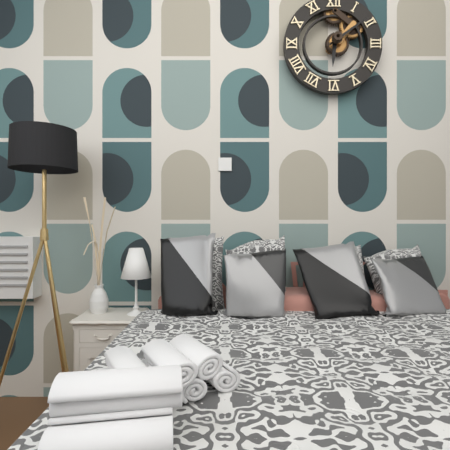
6:09
